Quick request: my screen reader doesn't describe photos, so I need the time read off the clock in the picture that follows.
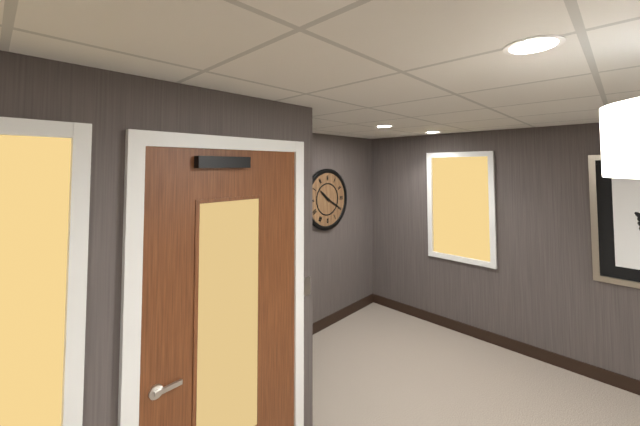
10:20
